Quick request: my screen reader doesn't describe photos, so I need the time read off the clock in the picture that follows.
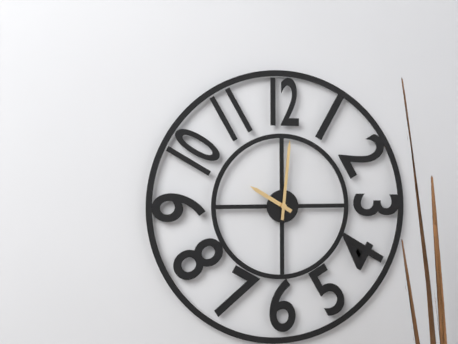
10:01
